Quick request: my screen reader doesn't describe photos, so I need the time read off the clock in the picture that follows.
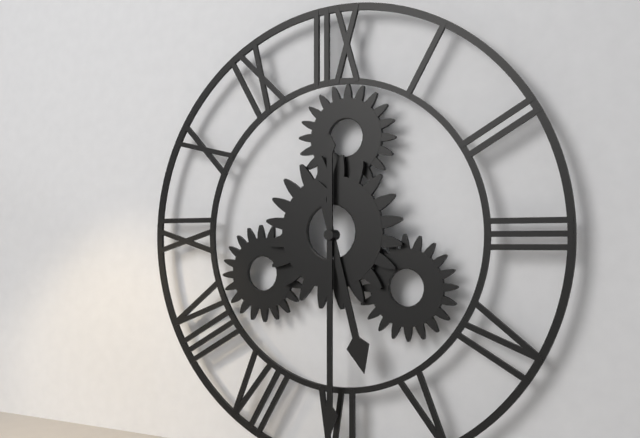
5:30
